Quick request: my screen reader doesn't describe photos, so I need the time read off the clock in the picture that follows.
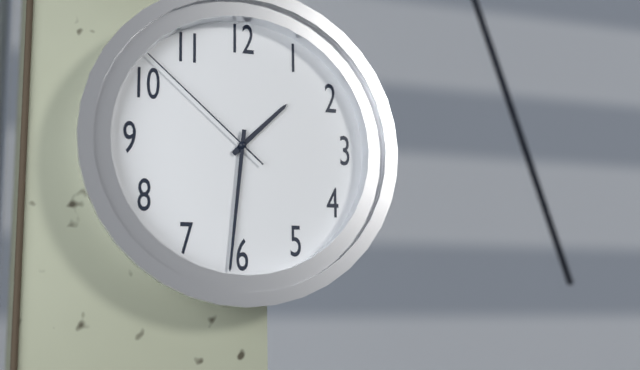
1:31:52
